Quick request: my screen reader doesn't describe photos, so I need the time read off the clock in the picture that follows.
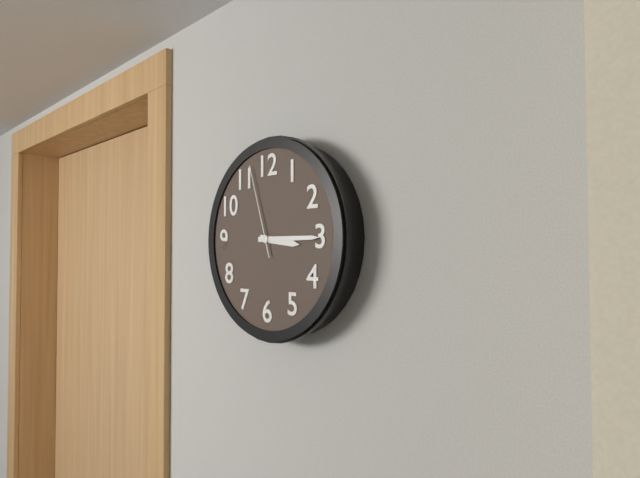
3:15:57
